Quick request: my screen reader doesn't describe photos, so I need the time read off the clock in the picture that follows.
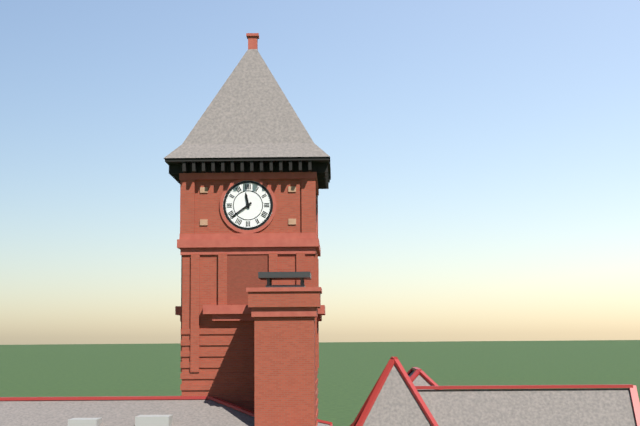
11:39
